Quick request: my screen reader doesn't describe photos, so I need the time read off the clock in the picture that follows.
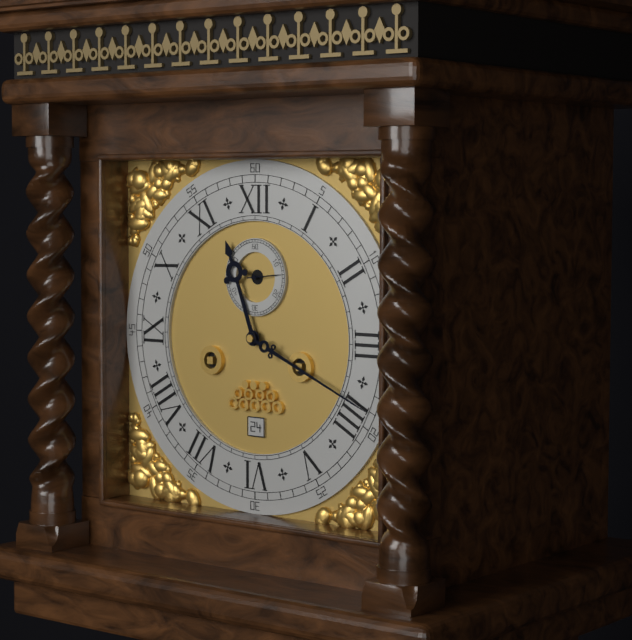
11:19
